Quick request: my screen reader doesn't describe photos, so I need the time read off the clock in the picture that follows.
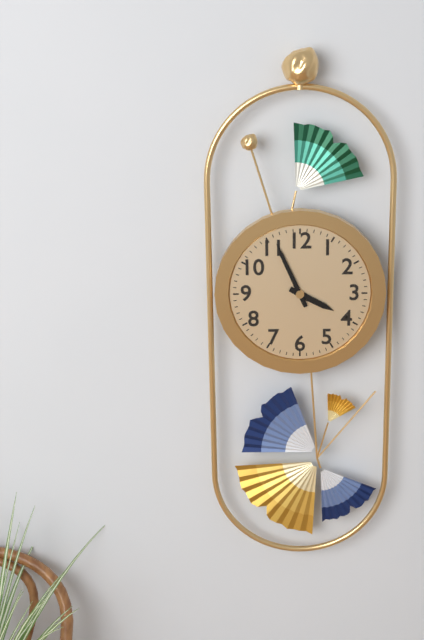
3:56
